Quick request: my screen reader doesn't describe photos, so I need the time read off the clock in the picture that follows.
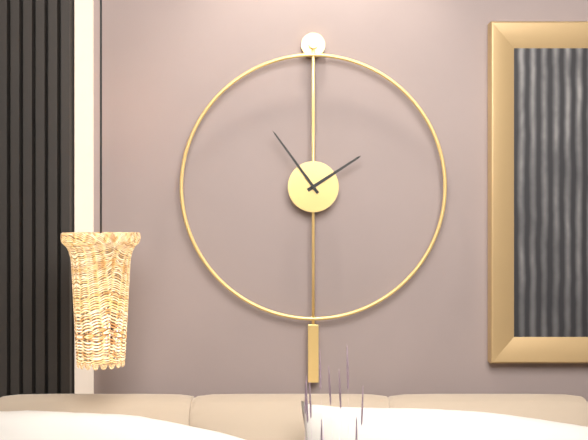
1:54
